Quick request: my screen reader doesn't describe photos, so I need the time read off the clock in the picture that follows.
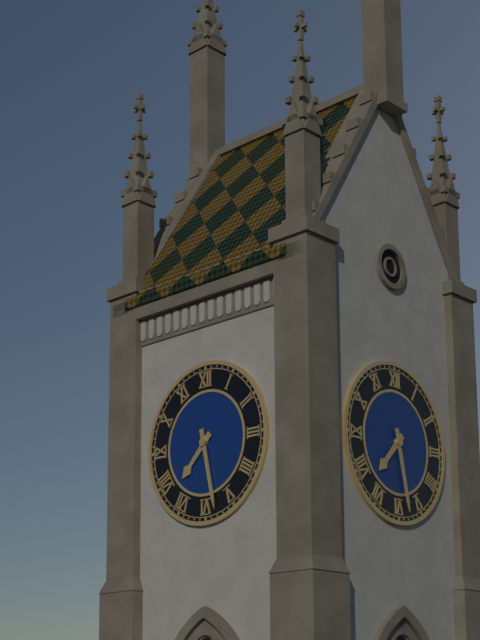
7:28
